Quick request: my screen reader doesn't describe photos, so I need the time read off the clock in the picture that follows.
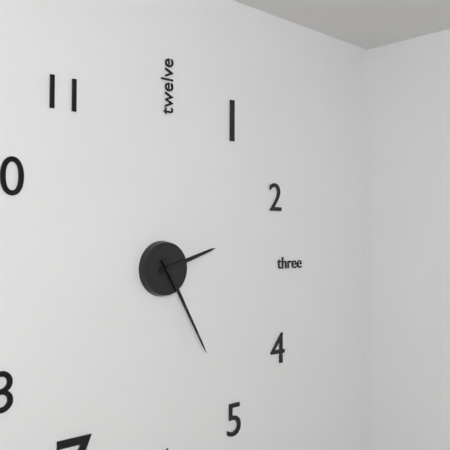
2:25
